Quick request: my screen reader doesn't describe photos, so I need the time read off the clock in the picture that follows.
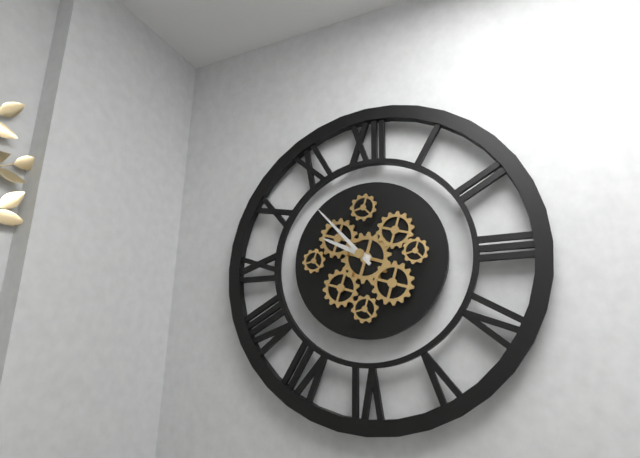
9:53
